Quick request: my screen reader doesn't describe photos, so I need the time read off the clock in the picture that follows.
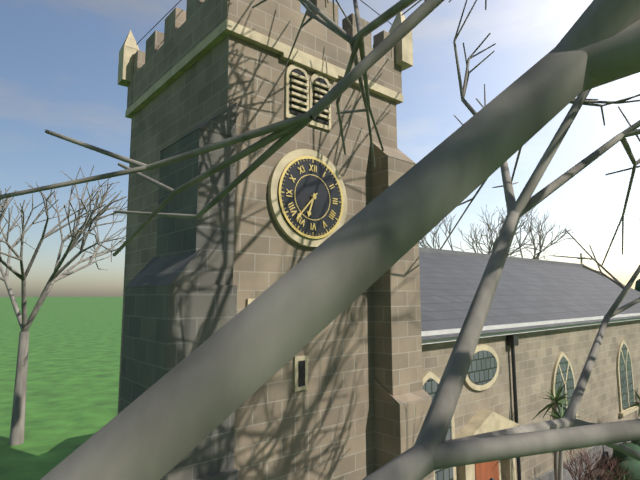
6:37
